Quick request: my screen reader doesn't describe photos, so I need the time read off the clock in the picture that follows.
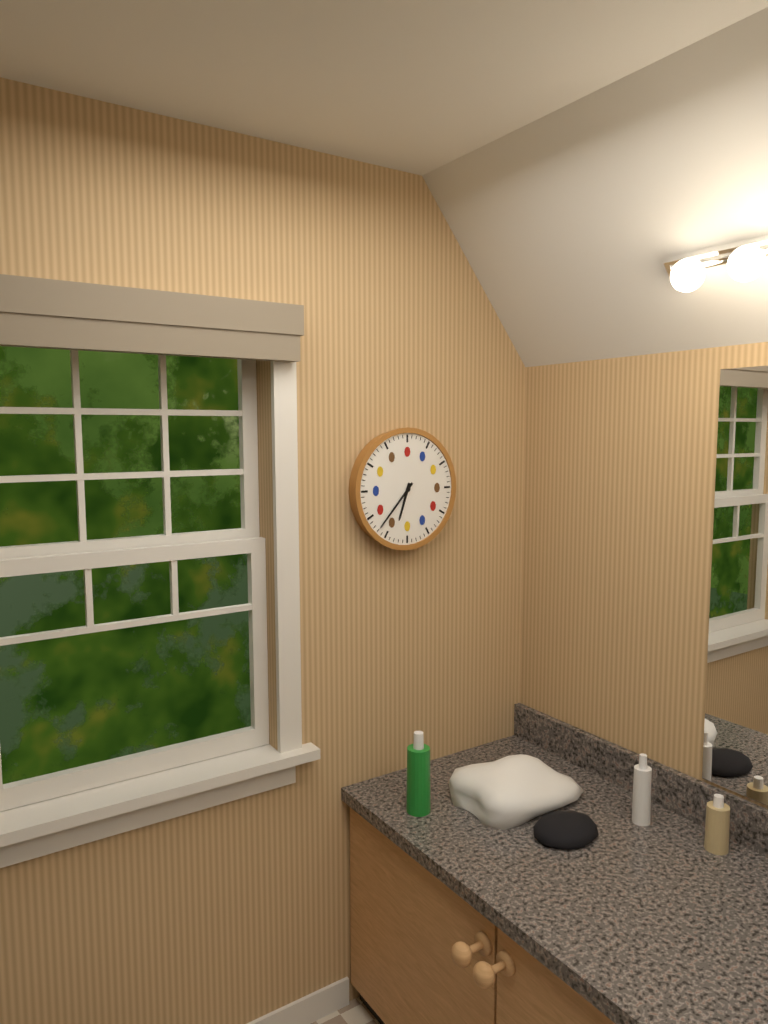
6:37
